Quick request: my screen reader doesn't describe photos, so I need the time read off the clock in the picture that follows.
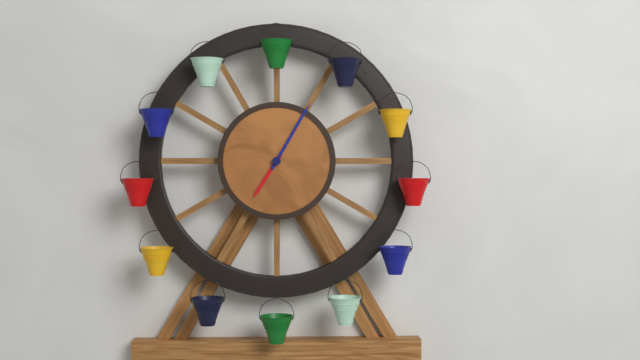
7:05
